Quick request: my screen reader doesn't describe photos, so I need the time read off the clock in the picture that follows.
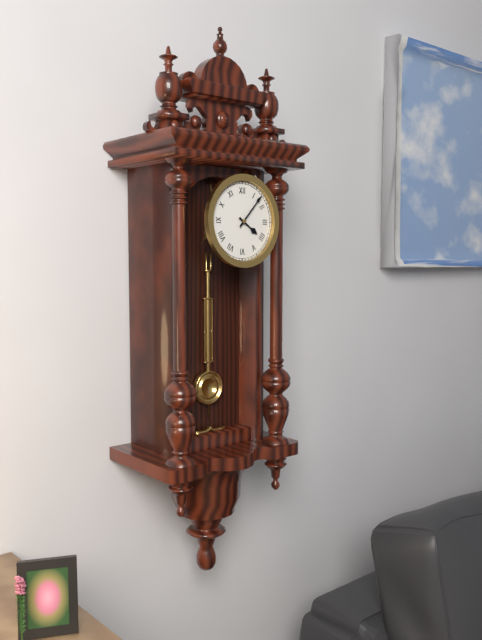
4:07
